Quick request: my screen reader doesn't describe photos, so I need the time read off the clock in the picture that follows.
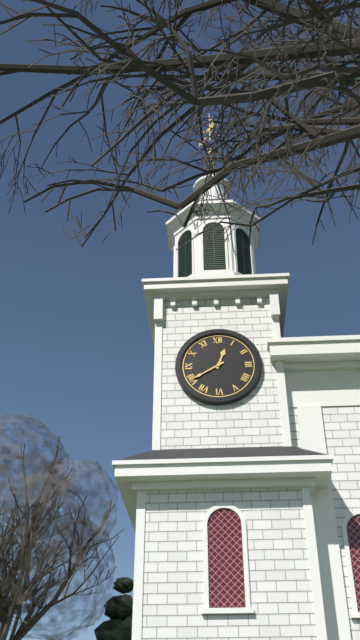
12:40
